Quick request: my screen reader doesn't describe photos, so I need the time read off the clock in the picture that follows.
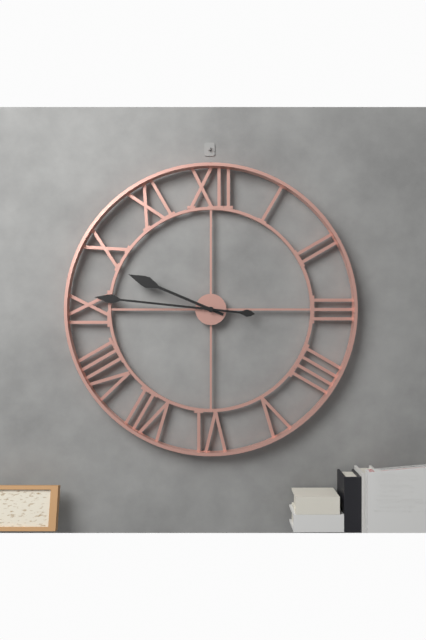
9:46
